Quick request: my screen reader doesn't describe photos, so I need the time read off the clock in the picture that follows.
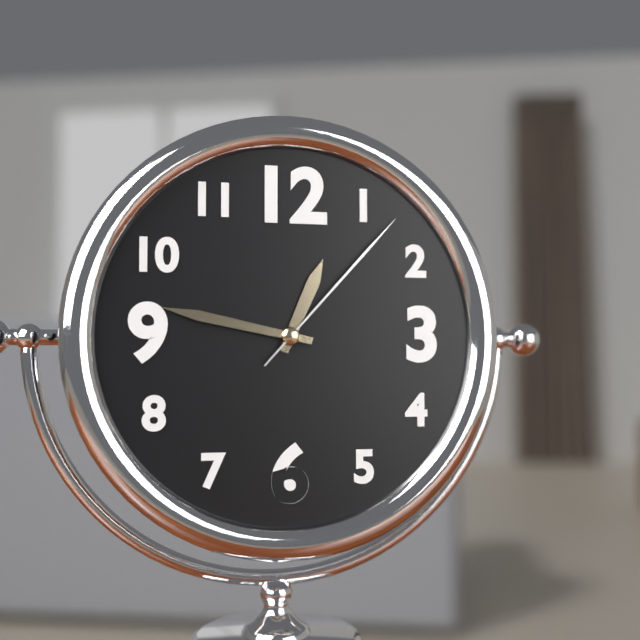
12:47:07
